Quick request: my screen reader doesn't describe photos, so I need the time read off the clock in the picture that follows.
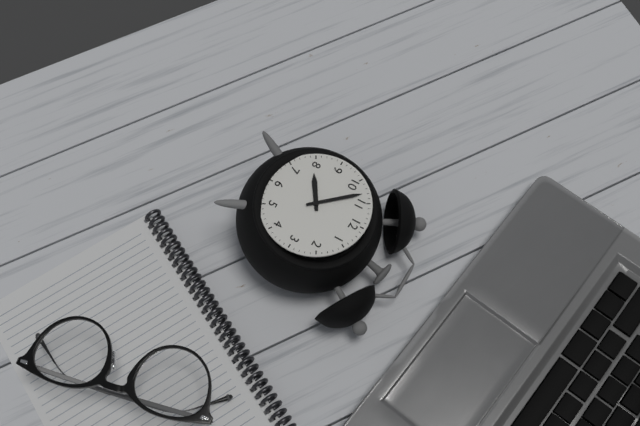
7:53
